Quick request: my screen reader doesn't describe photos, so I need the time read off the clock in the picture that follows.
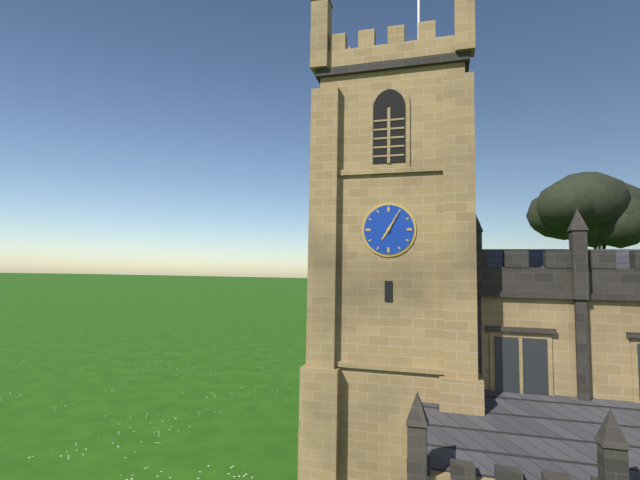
7:05
